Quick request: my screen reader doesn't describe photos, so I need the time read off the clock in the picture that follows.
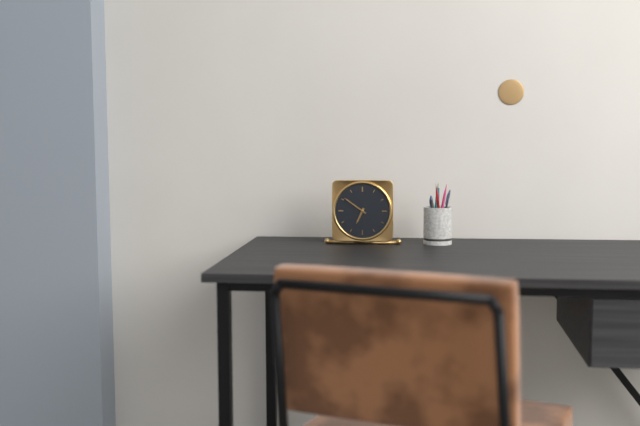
6:51
